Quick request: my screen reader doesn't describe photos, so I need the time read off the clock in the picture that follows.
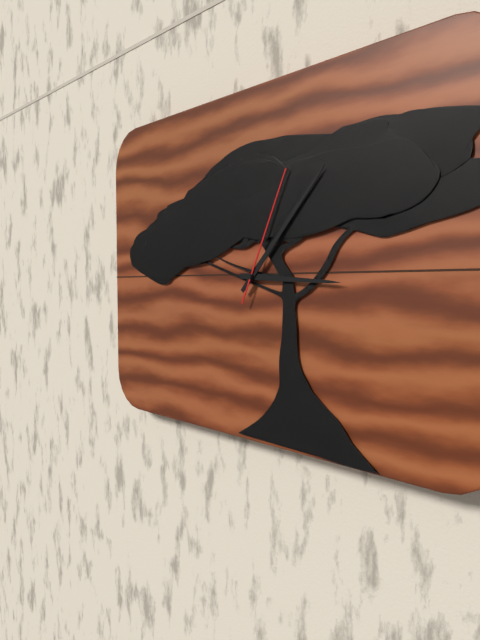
3:07:04
